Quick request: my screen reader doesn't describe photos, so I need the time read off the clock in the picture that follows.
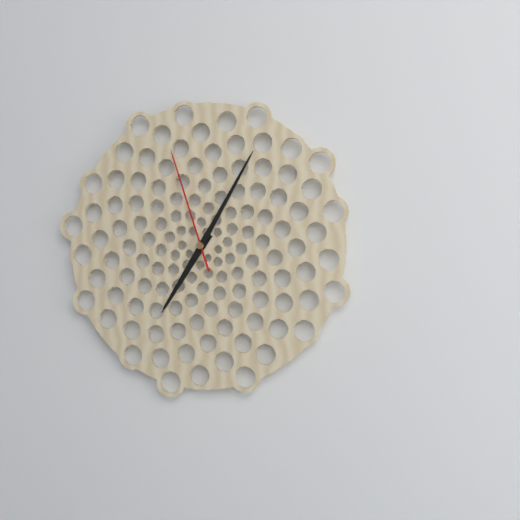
7:05:57
